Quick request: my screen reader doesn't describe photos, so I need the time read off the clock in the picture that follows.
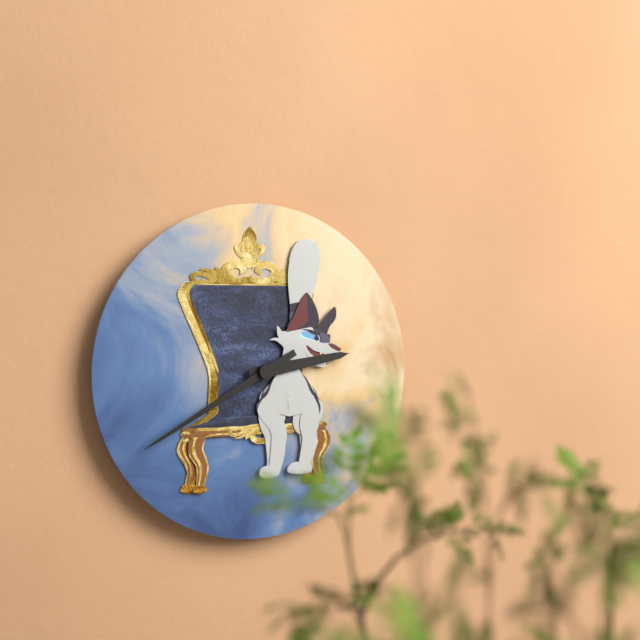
2:40
